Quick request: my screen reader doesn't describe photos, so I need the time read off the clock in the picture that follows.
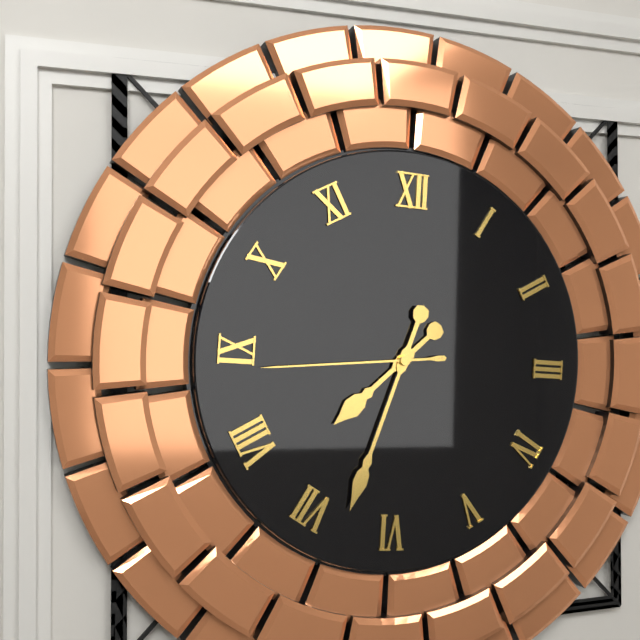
7:33:44
